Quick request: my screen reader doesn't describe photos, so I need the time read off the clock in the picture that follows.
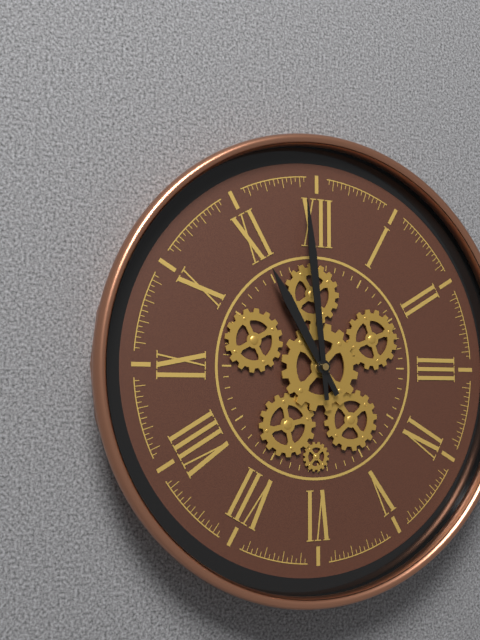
10:59
